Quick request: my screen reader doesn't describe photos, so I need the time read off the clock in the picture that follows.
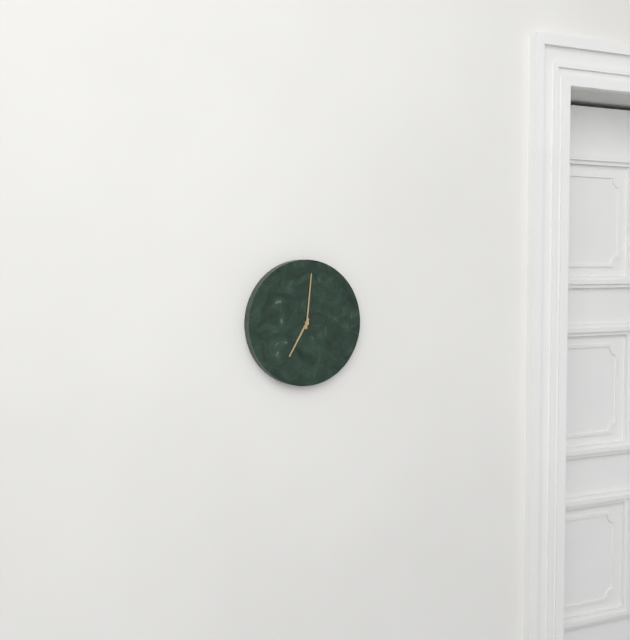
7:01
